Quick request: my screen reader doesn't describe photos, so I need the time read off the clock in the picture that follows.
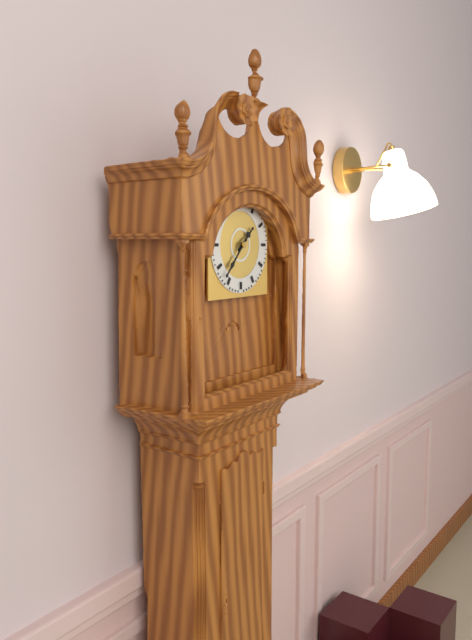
1:37
